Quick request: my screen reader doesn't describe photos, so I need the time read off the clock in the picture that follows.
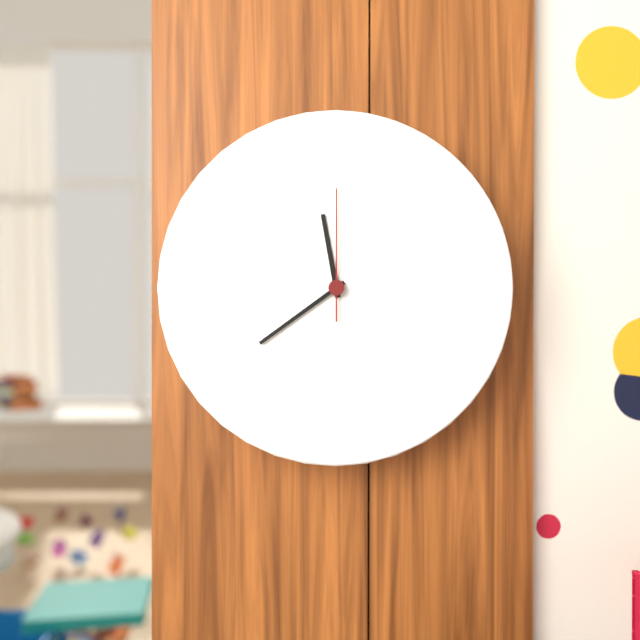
11:39:00
